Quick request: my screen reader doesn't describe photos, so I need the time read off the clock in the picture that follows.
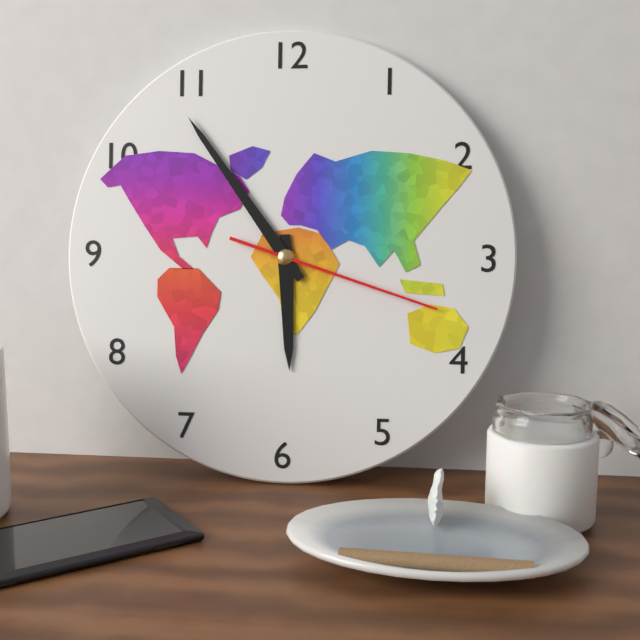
5:54:18
